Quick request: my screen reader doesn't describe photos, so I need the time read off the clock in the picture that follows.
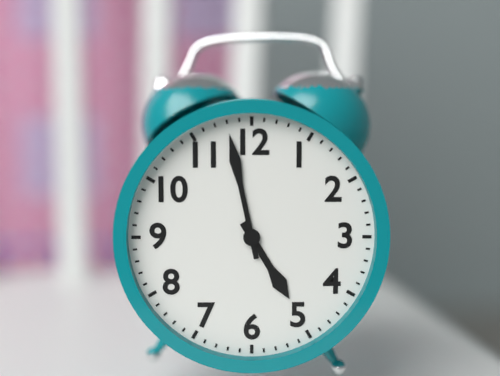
4:58
